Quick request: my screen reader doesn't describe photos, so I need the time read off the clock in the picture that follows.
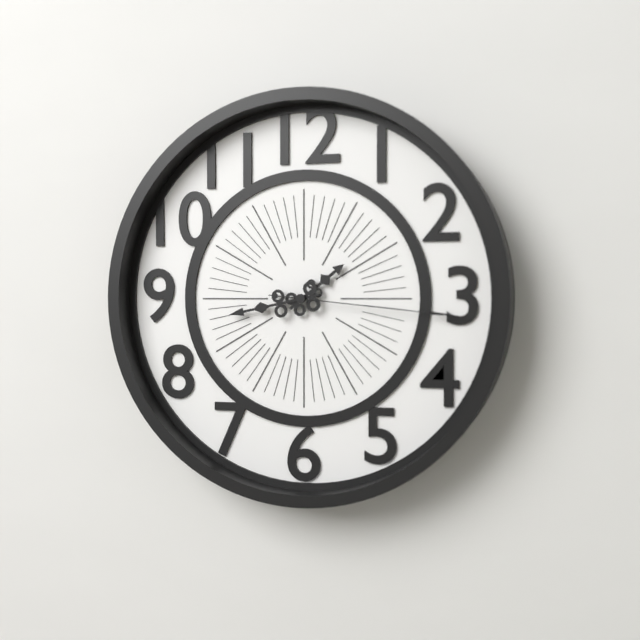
1:43:16
